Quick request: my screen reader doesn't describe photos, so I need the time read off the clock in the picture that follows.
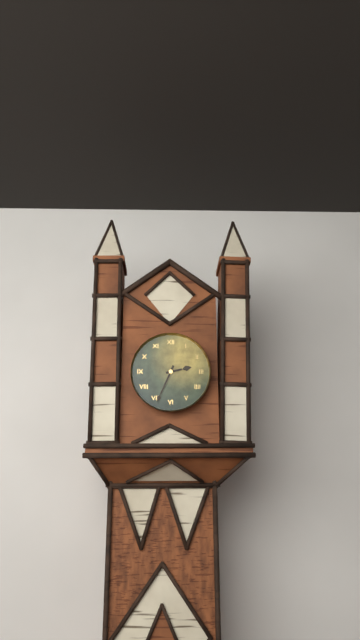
2:34
